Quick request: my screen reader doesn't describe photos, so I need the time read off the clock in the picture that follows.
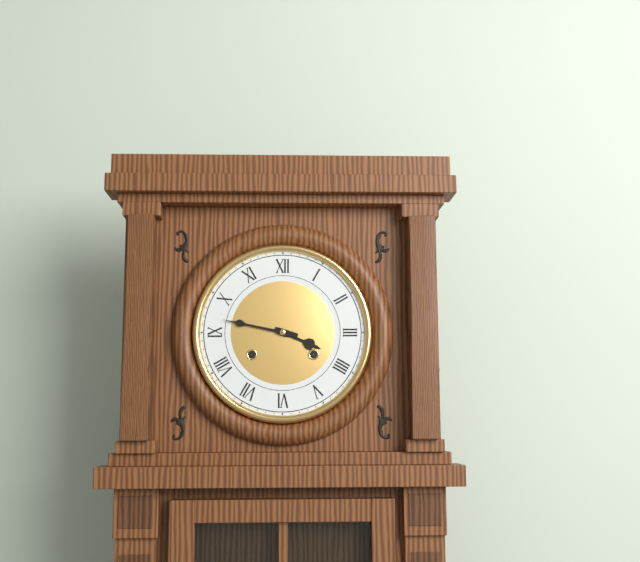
3:47
